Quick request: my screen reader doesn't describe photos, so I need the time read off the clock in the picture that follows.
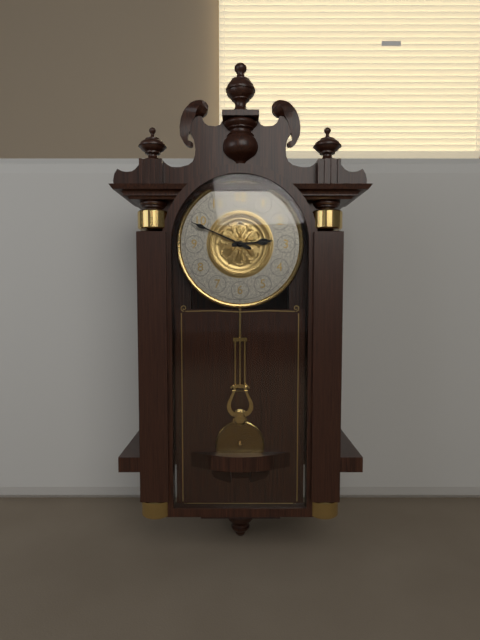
2:49
